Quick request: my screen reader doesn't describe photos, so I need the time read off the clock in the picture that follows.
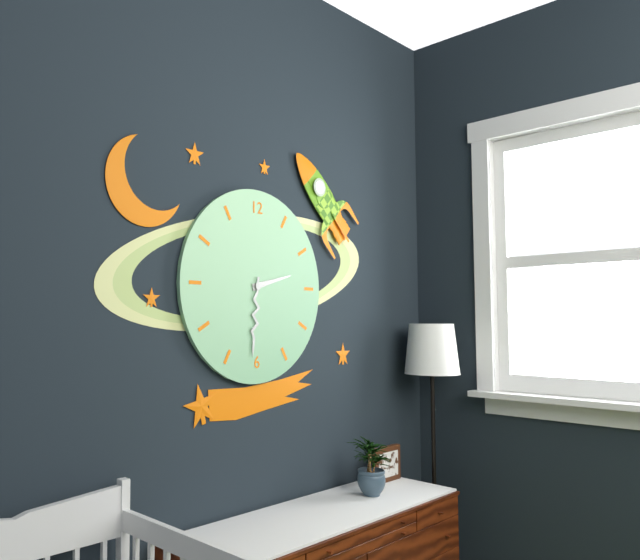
2:31
